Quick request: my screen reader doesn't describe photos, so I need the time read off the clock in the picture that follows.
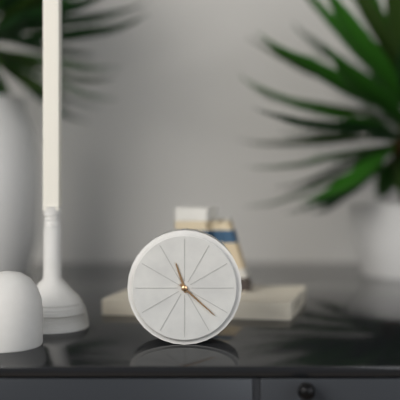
11:22
